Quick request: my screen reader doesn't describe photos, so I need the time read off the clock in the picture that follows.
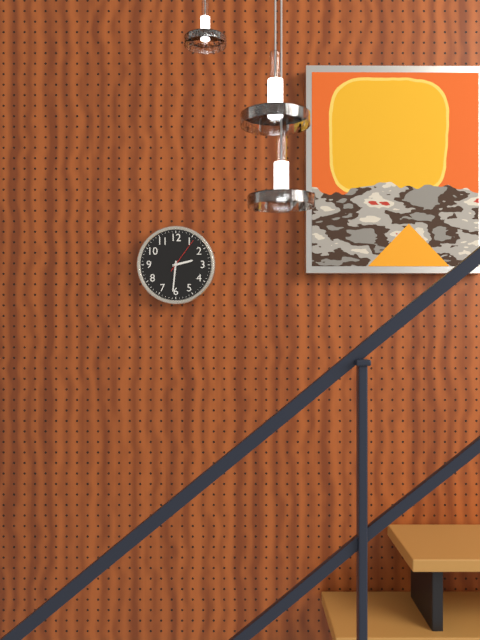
2:31
